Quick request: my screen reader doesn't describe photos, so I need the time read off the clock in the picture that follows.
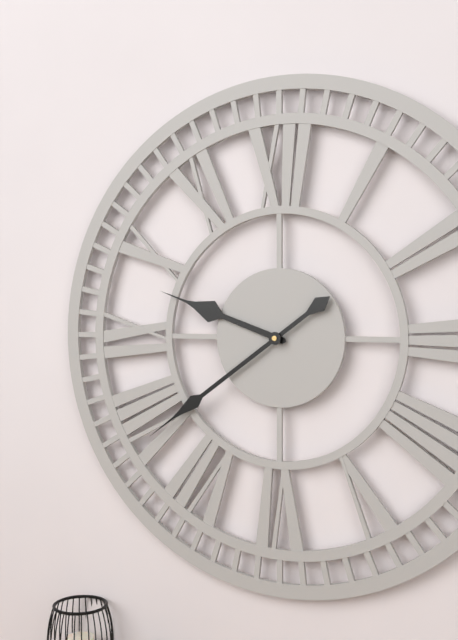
9:39
